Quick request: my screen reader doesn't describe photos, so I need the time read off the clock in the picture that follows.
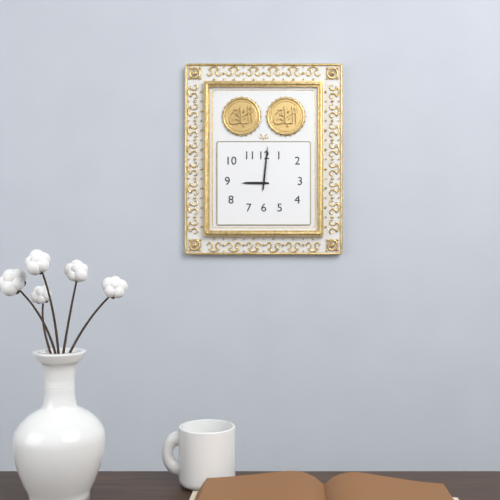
9:01
